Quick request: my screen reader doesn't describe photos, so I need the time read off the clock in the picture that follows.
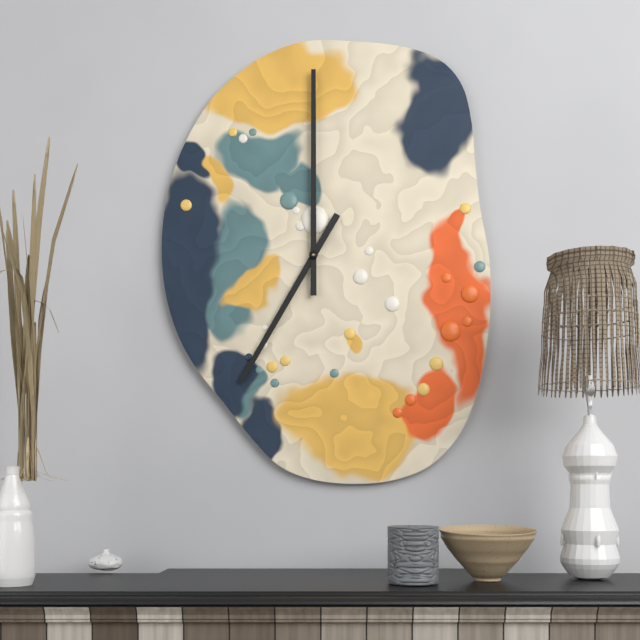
7:00
